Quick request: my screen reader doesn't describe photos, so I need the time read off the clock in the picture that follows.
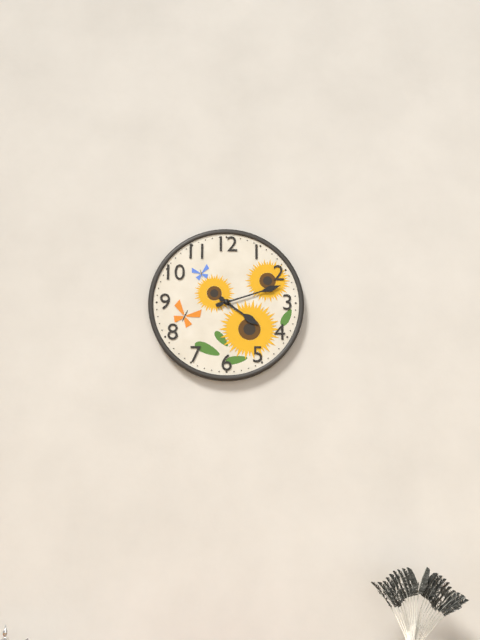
4:12
